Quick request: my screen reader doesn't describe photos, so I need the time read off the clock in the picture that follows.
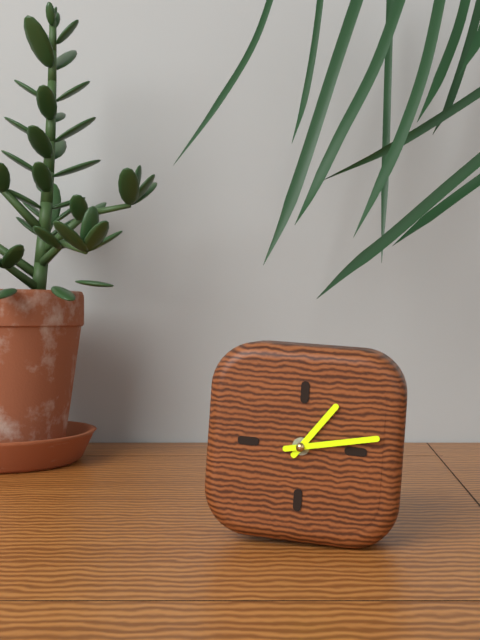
1:13
